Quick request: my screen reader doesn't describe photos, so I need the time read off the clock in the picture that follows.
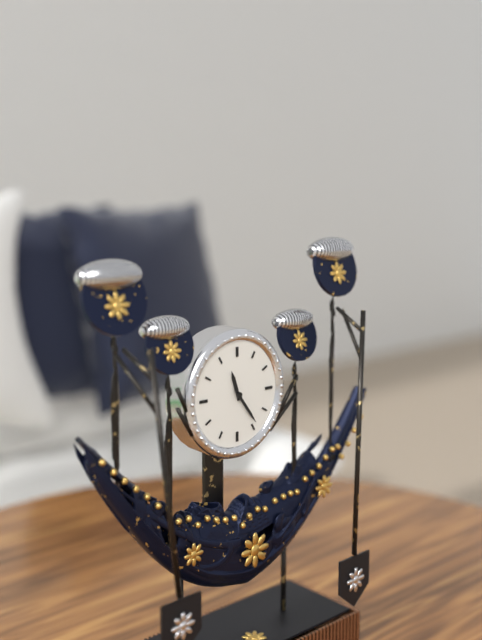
11:24
